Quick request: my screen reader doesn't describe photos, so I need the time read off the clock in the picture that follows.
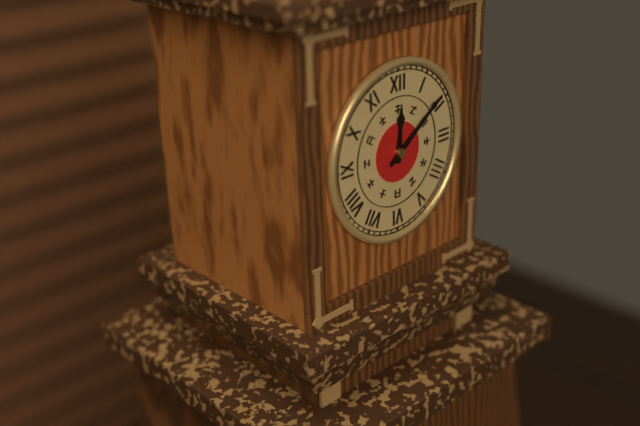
12:09
